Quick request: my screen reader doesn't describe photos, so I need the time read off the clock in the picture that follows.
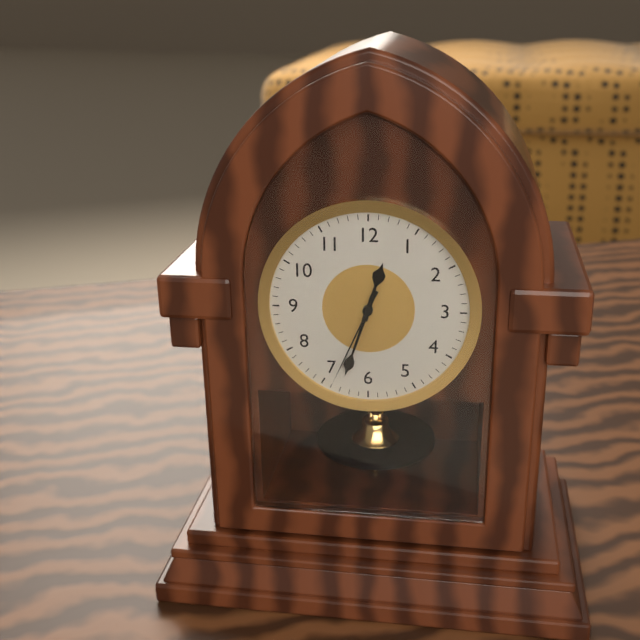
12:33:34
